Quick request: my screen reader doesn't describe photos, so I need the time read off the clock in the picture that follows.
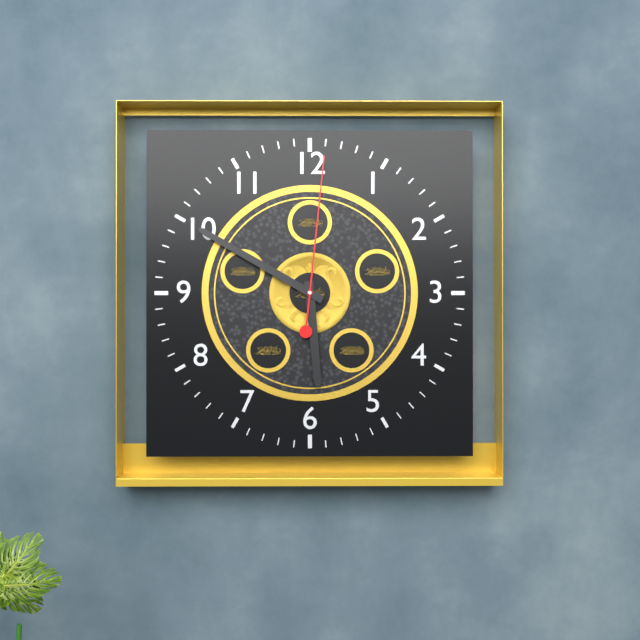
5:50:01
